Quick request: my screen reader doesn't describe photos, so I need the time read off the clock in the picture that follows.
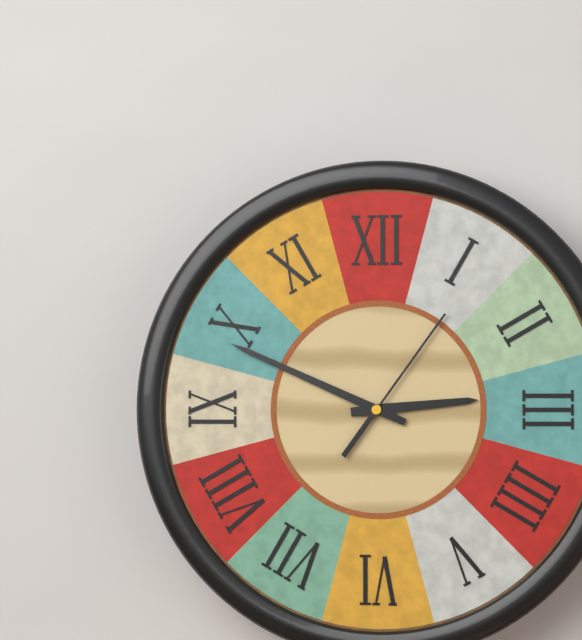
2:49:06
